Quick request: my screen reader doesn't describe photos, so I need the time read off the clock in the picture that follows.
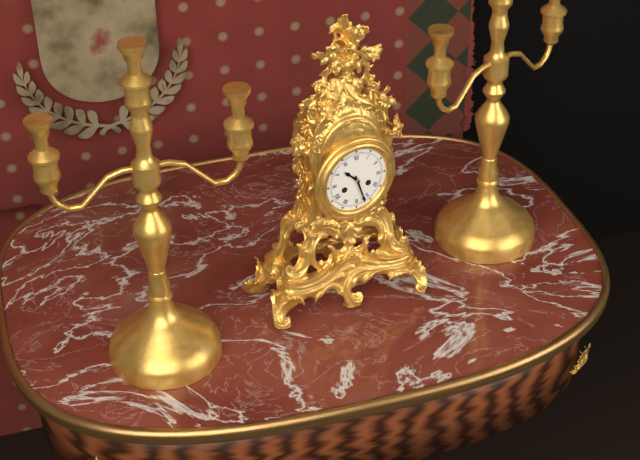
10:27
